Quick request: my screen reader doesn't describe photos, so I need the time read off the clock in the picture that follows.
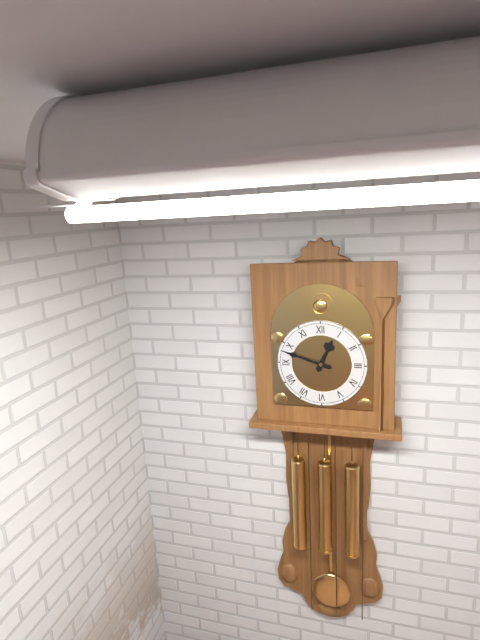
12:48
